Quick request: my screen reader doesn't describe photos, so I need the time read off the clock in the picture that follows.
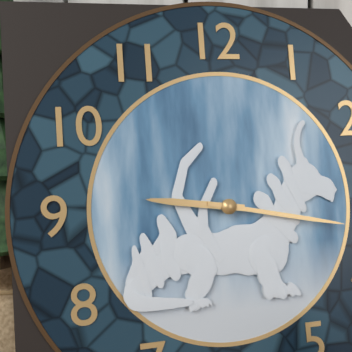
9:17
